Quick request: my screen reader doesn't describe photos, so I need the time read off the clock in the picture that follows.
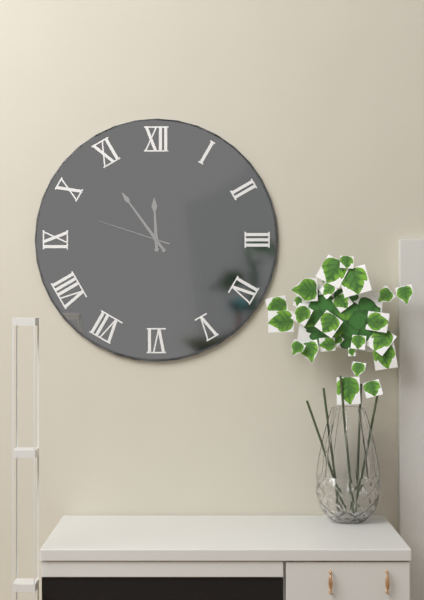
11:54:48
